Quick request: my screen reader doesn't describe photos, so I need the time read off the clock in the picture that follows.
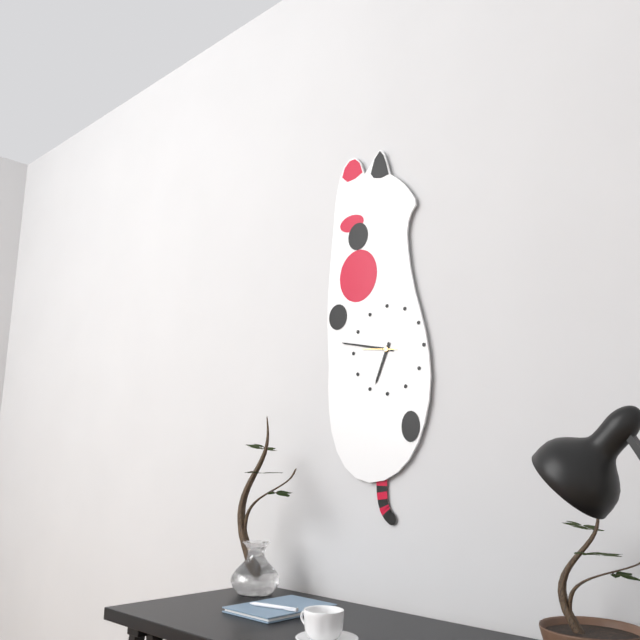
6:47
